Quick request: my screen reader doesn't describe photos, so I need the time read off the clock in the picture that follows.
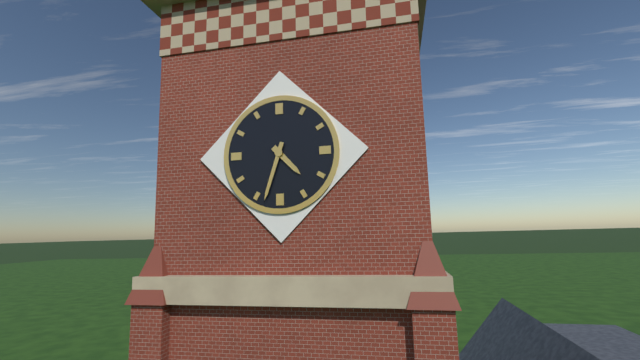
4:33
